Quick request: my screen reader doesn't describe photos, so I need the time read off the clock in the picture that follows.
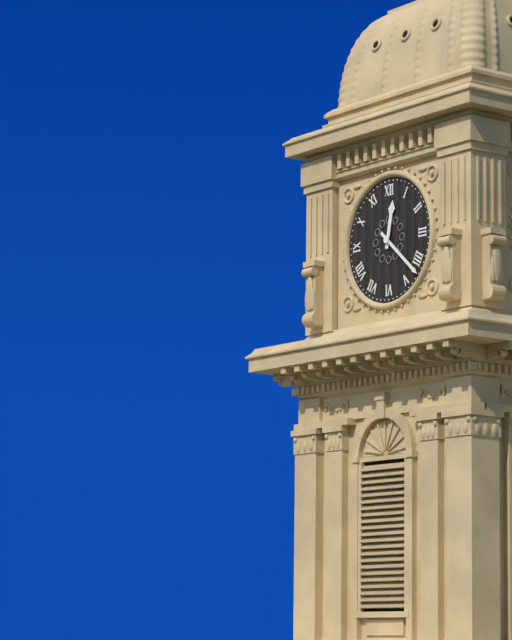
12:22
